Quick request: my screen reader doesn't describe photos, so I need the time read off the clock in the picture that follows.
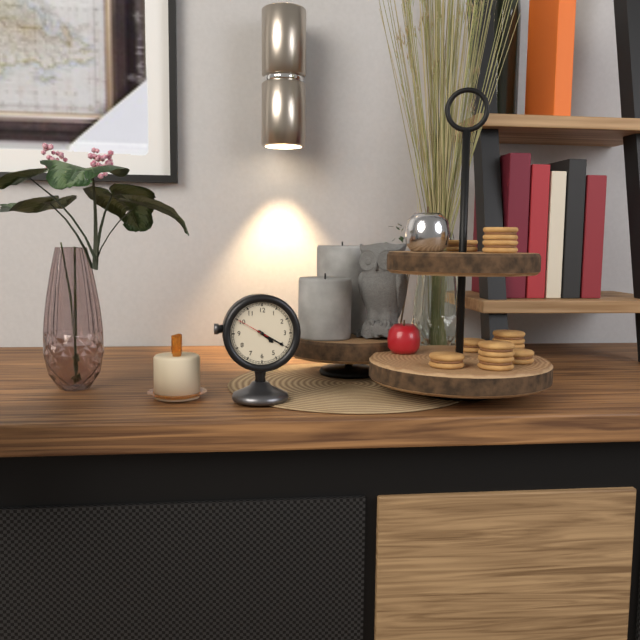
4:20
